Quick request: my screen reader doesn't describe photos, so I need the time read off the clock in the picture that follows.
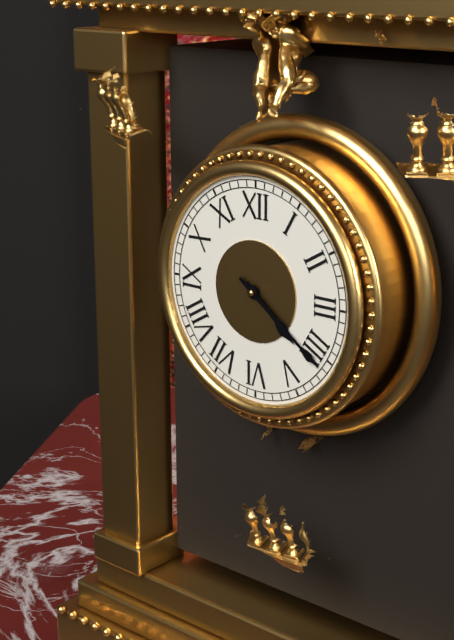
4:21
